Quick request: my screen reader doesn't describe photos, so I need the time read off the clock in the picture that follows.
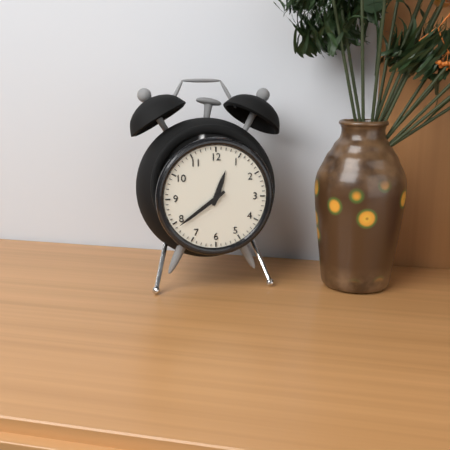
12:39
